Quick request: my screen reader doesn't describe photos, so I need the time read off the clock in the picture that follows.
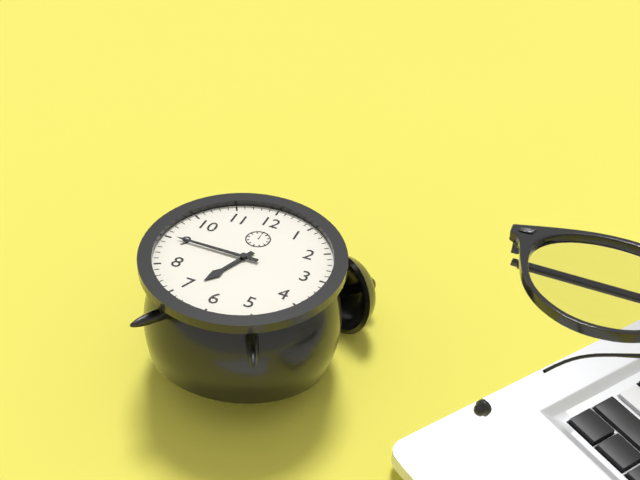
6:45
